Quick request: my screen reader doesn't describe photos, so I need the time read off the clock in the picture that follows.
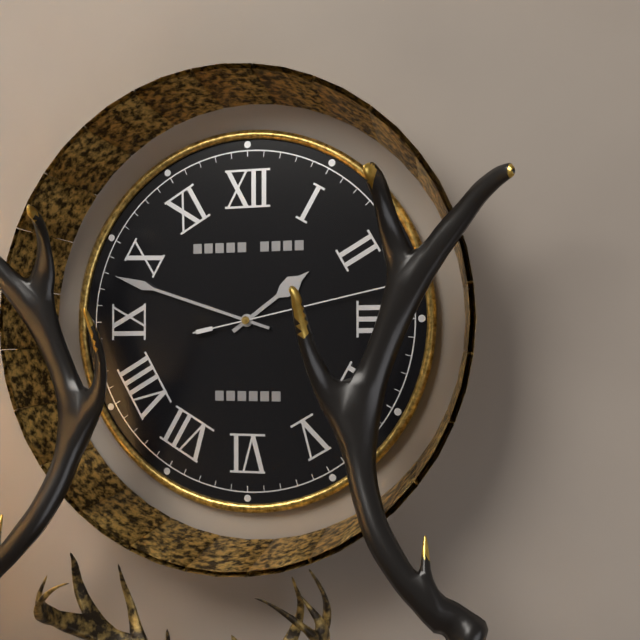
1:48:13
